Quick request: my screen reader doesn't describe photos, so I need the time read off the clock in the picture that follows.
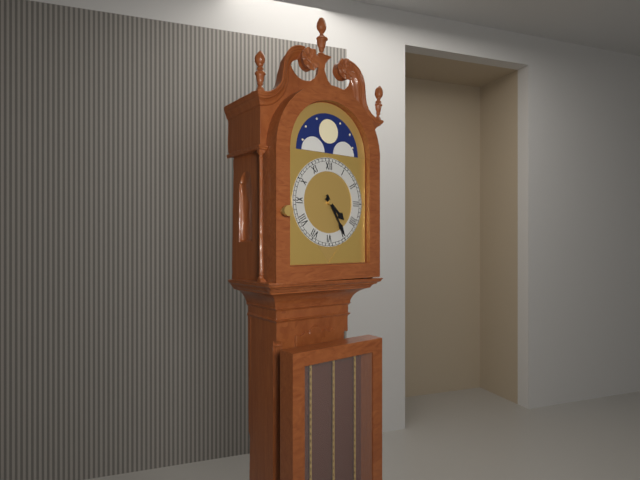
4:25
